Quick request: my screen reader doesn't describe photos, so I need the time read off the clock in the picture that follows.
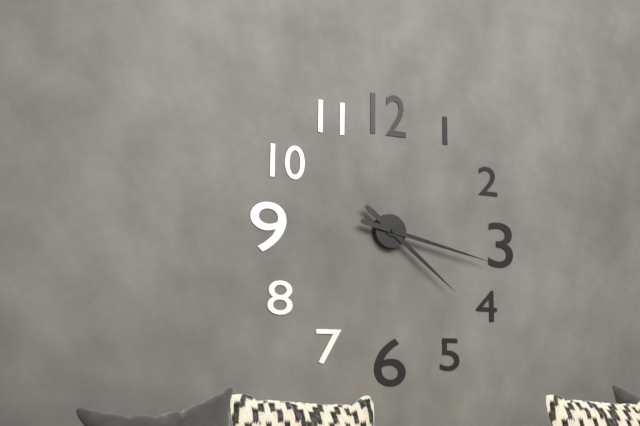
4:17
